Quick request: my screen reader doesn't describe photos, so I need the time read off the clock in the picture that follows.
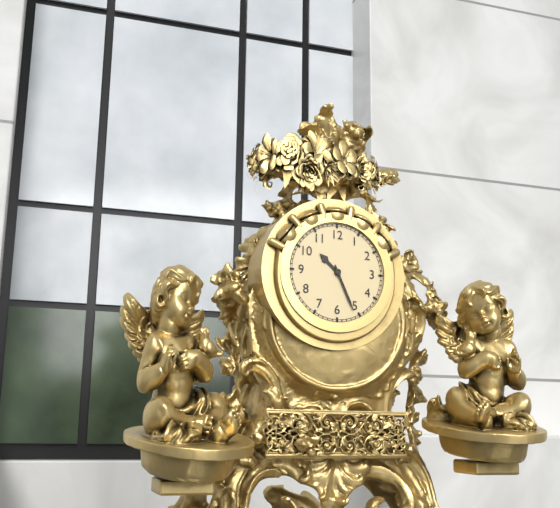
10:26
